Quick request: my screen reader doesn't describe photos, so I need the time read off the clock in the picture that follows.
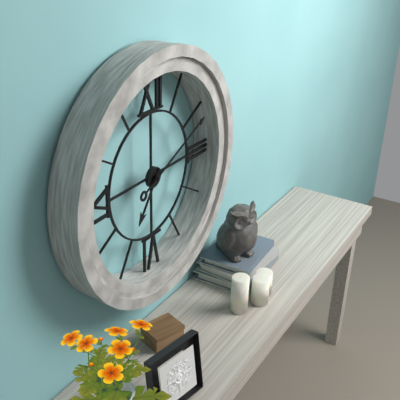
7:11
